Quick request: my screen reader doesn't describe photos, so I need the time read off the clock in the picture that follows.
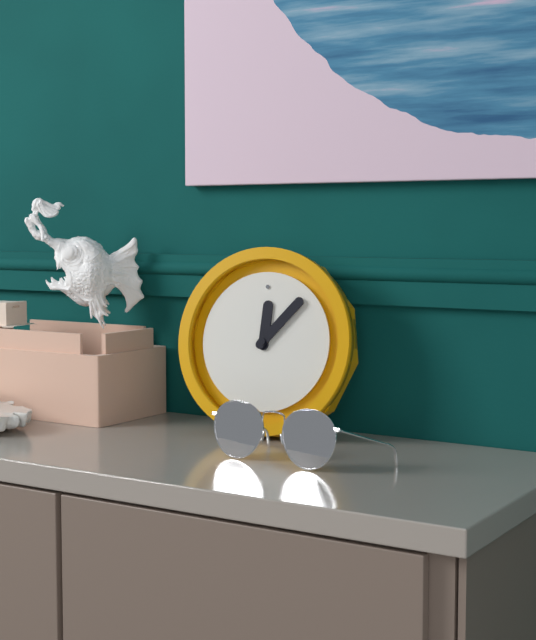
12:07
